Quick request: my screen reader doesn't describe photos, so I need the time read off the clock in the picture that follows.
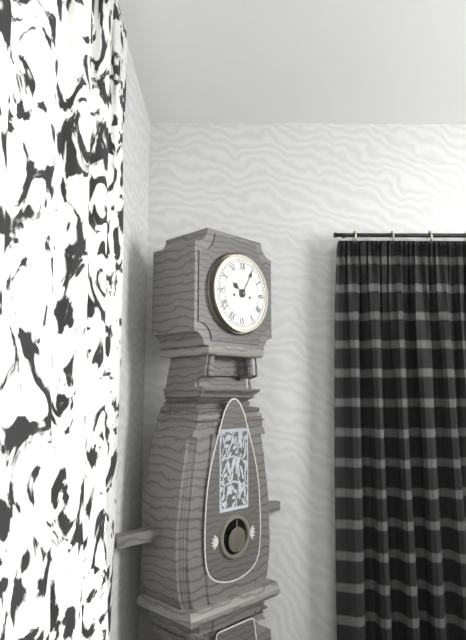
10:05
